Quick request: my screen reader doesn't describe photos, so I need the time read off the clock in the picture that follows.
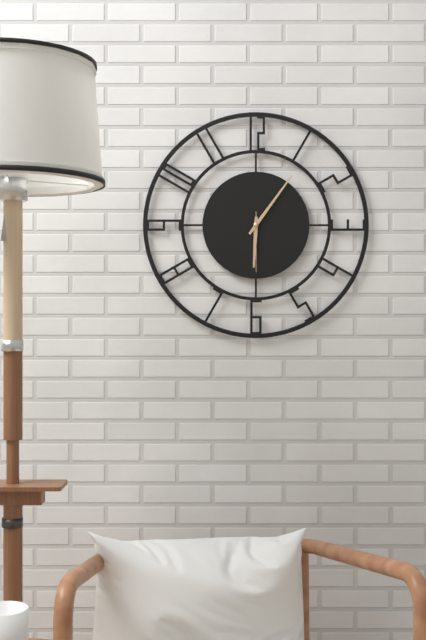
6:06:30
